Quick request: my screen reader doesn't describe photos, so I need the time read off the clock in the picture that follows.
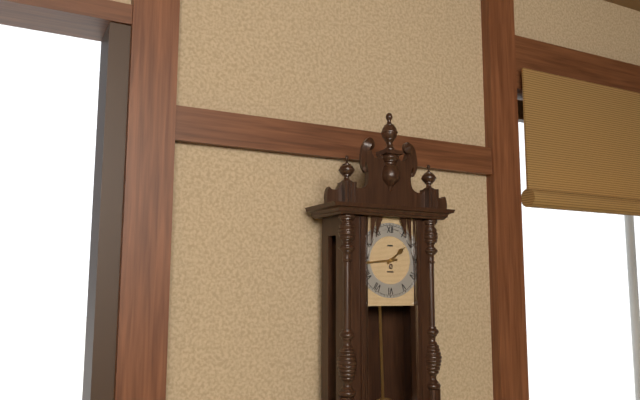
1:44
